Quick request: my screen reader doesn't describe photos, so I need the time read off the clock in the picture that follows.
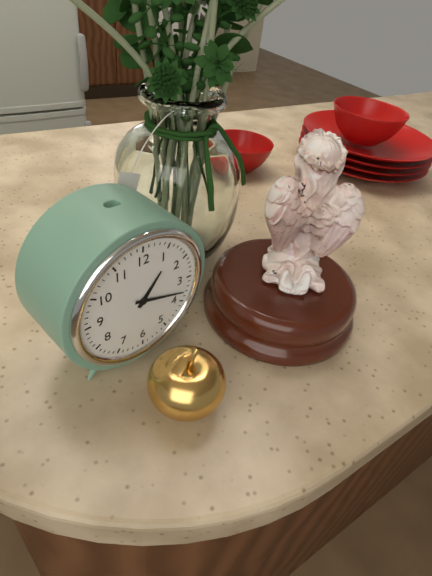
1:18
